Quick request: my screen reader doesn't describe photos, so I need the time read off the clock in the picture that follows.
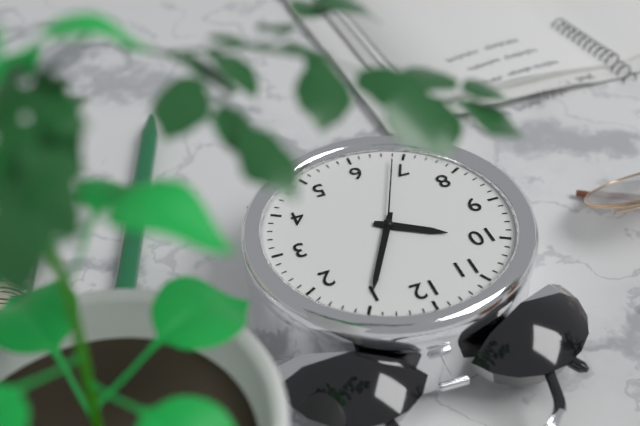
10:05:34
